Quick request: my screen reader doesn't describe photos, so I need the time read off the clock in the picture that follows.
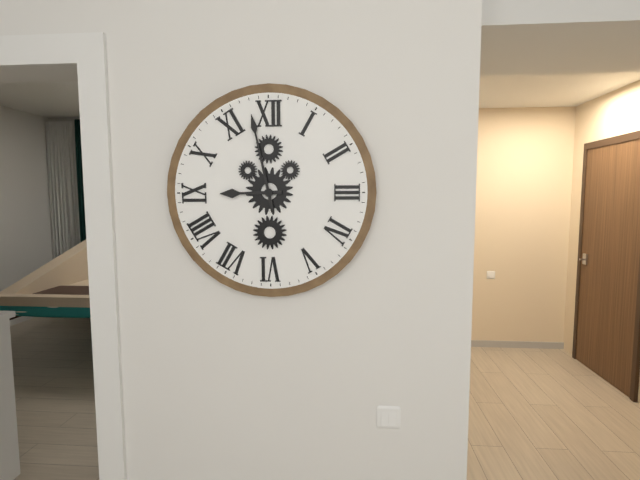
8:58
